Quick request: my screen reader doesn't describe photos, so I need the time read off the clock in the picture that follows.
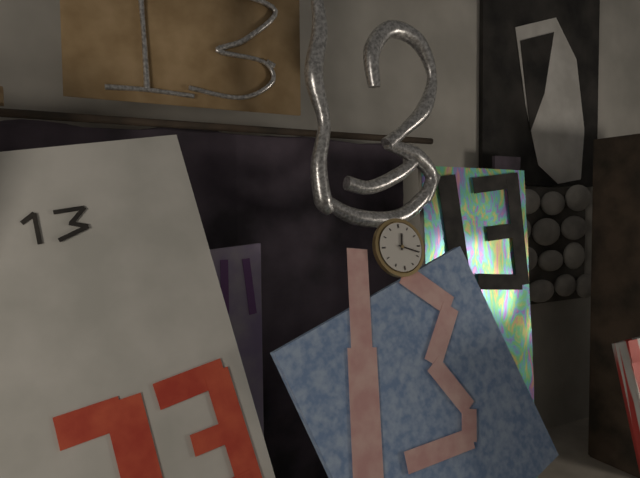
12:18
